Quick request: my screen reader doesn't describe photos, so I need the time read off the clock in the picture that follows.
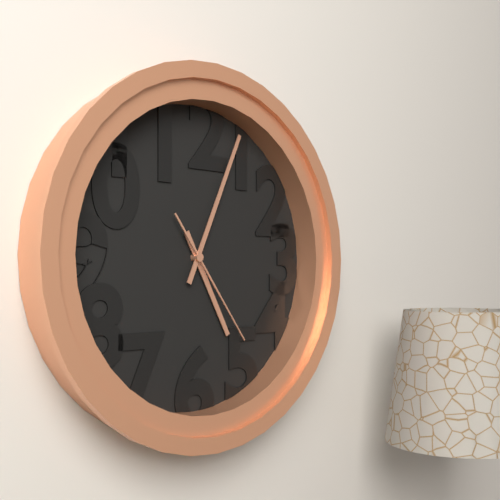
5:04:24
